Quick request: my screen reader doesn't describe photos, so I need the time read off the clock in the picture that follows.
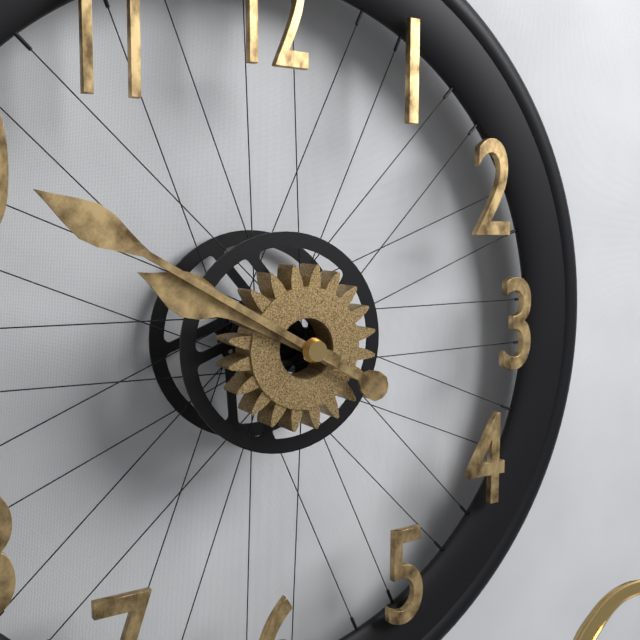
9:50
